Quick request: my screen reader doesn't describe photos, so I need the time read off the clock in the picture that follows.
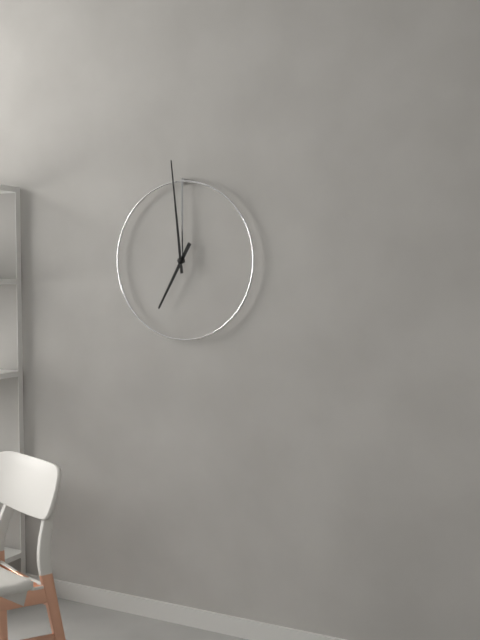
6:59
